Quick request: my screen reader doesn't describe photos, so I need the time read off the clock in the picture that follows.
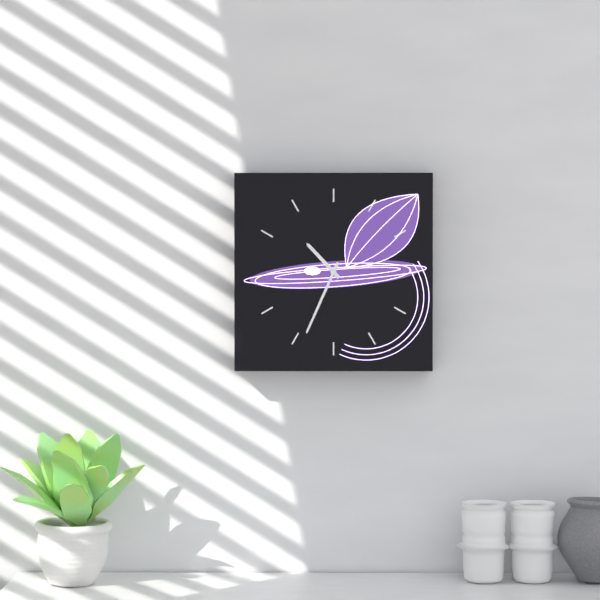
10:34
